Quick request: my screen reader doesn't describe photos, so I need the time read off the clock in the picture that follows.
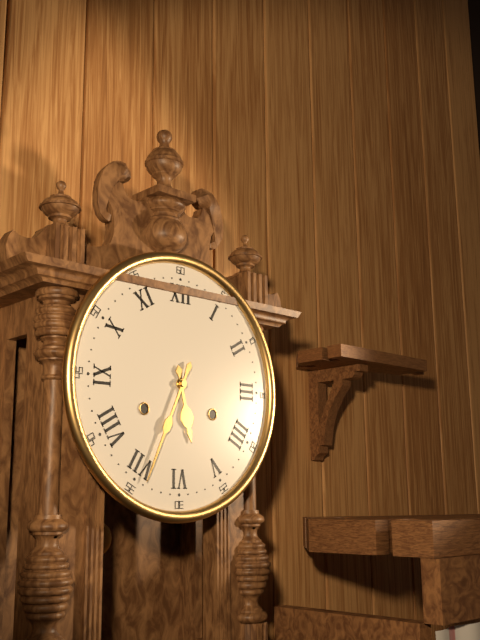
5:34
